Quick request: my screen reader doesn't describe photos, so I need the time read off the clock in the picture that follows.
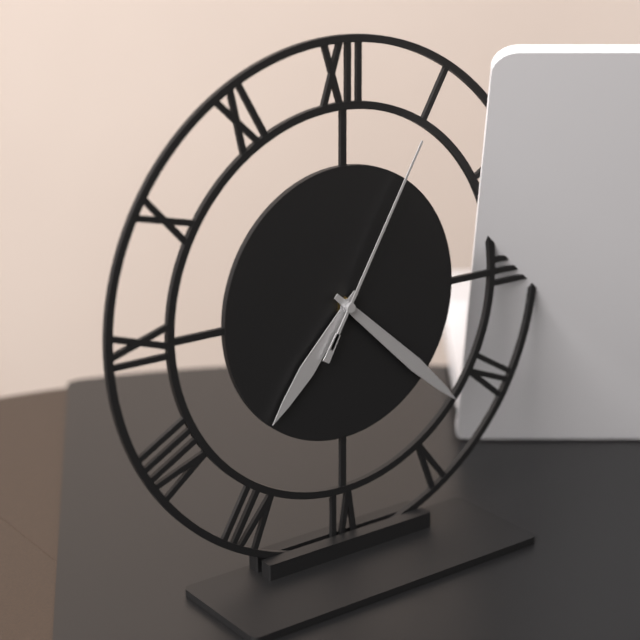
7:22:05
